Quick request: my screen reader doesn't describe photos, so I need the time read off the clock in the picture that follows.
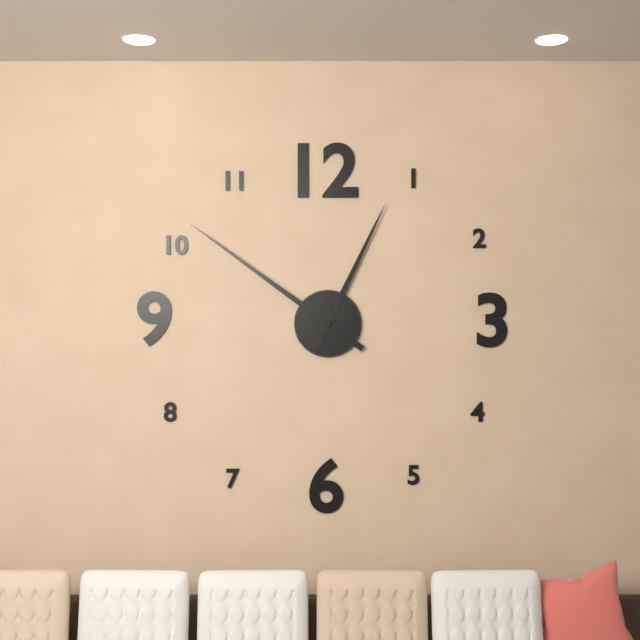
12:51
